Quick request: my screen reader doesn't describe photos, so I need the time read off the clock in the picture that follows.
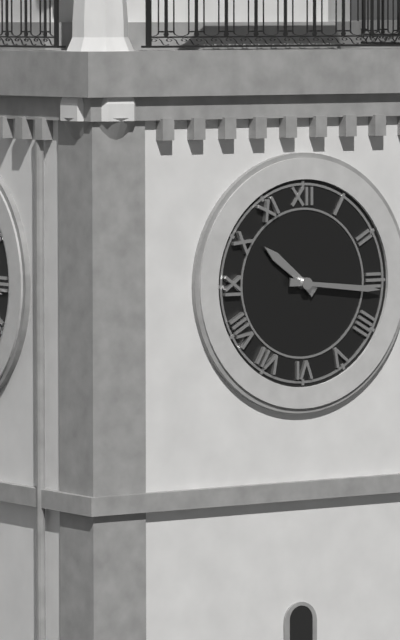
10:16
